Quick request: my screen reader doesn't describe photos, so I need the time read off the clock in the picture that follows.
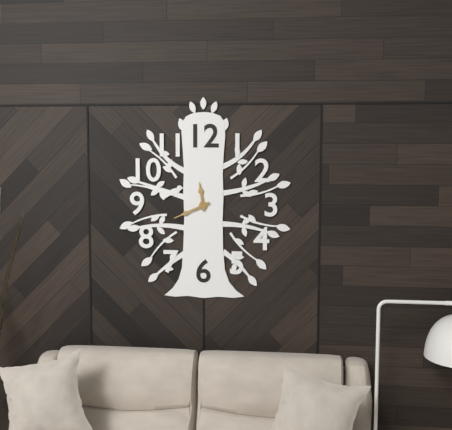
11:41
